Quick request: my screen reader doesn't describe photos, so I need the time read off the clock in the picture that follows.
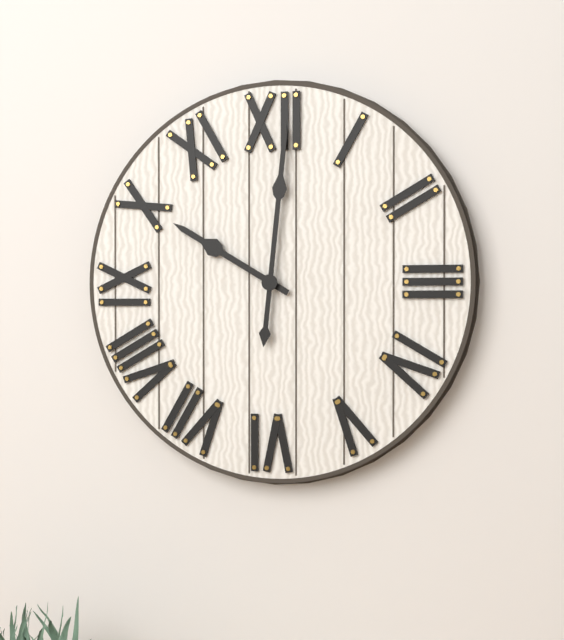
10:01
